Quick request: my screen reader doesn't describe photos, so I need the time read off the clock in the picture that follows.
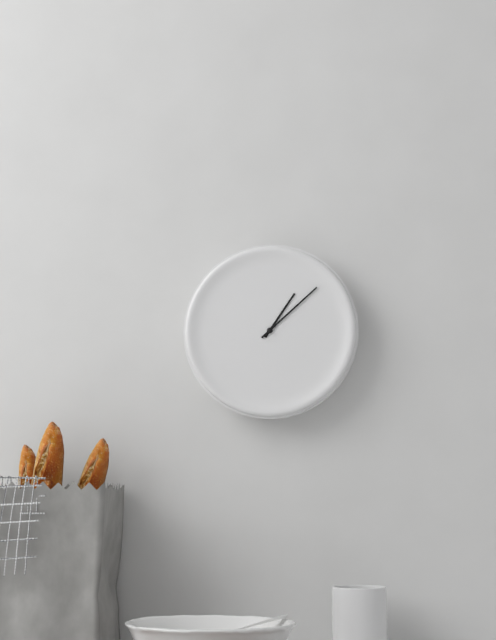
1:08
